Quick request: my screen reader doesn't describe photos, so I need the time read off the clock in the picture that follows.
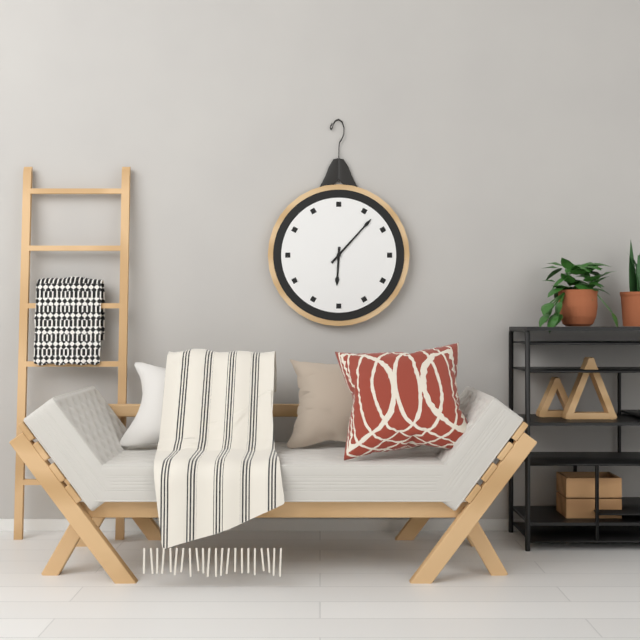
6:07
